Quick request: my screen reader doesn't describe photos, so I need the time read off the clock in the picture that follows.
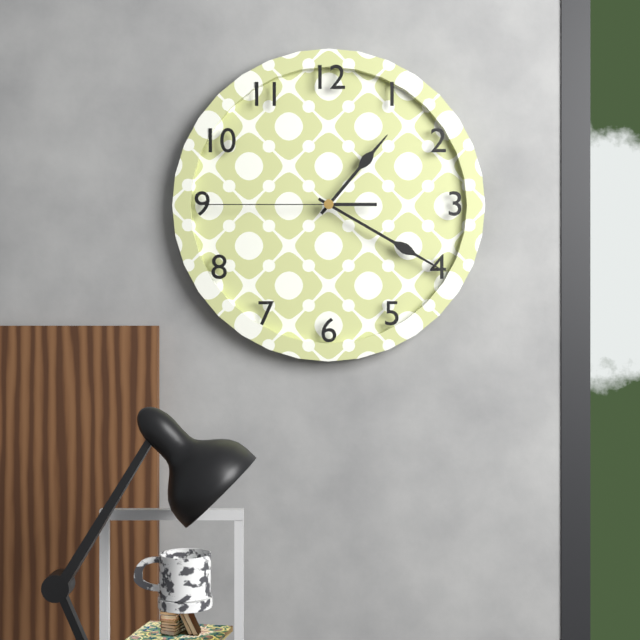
1:20:45
